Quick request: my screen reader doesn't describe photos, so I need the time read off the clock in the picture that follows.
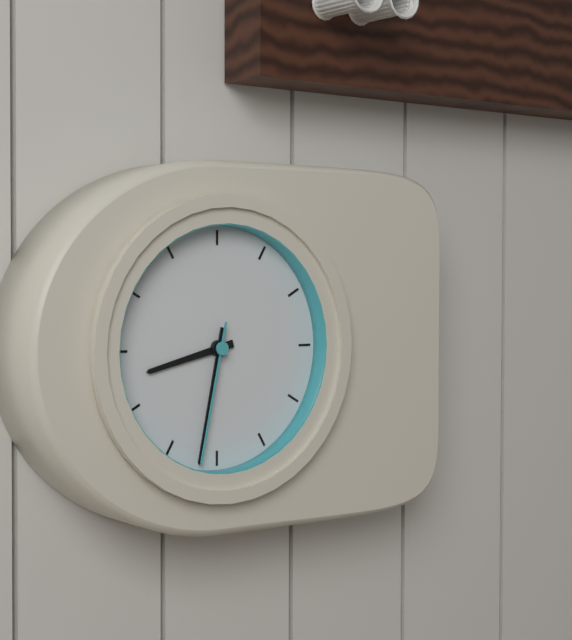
8:32:32
